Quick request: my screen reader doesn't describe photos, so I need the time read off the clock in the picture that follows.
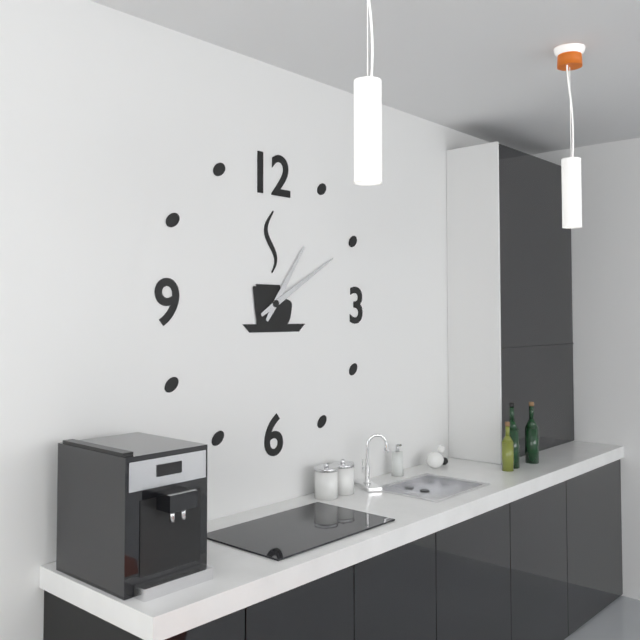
1:10
